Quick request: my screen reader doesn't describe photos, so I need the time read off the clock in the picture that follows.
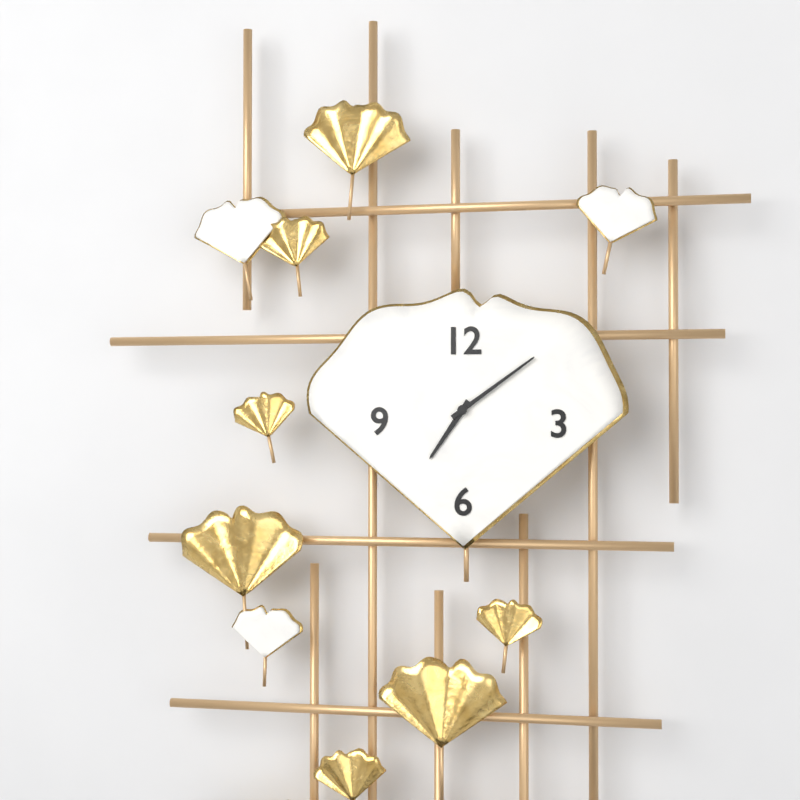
7:09
